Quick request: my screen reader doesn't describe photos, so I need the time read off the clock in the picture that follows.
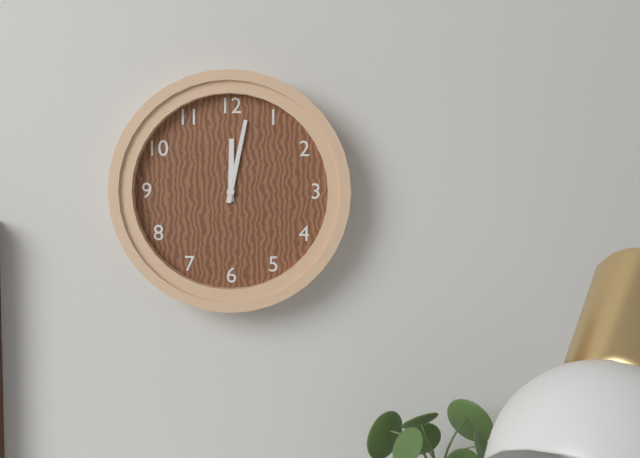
12:02
